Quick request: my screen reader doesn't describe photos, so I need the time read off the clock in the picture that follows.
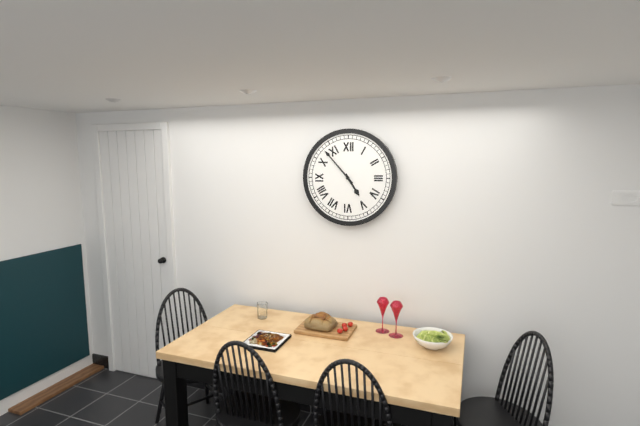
4:53
